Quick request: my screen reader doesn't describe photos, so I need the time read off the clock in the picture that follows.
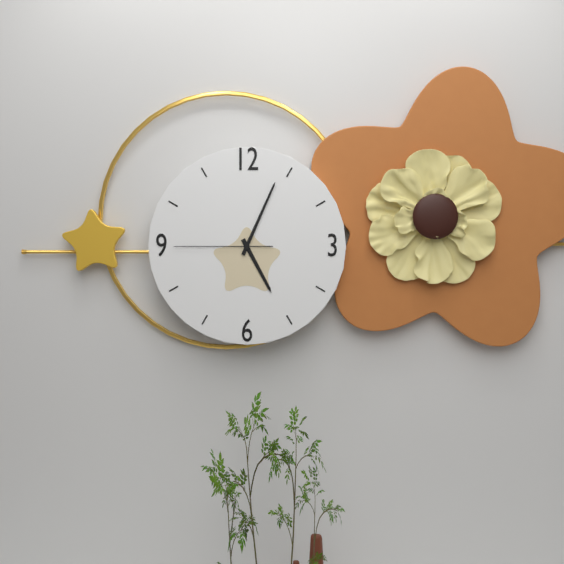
5:04:45
